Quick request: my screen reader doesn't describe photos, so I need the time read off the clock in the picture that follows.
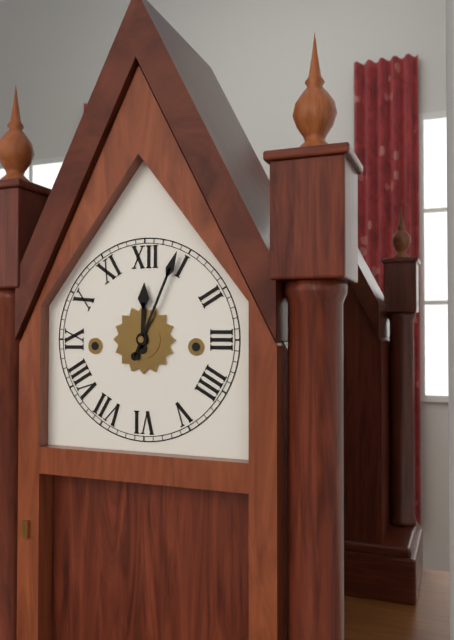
12:04
